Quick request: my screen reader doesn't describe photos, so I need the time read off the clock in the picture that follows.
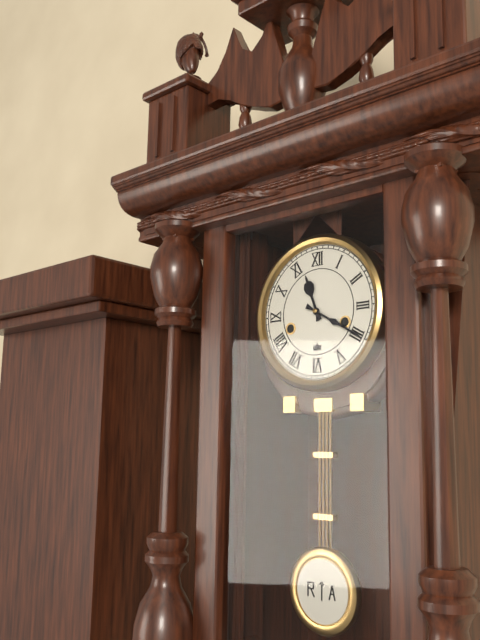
11:20
